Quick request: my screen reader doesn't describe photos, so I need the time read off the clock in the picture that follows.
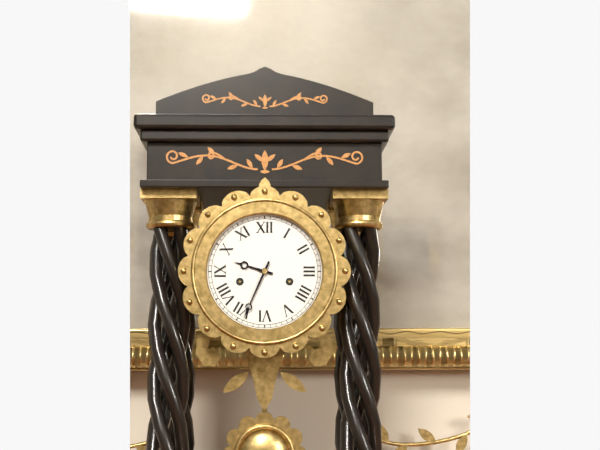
9:34
